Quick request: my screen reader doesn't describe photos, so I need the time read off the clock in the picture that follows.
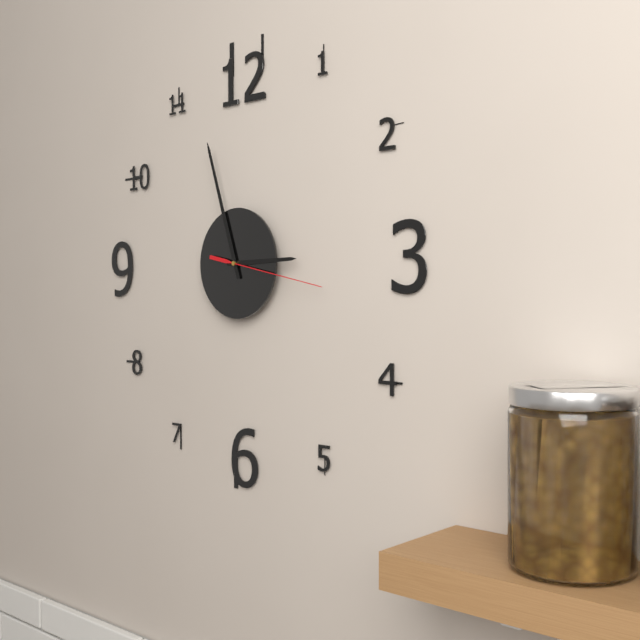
2:57:17
